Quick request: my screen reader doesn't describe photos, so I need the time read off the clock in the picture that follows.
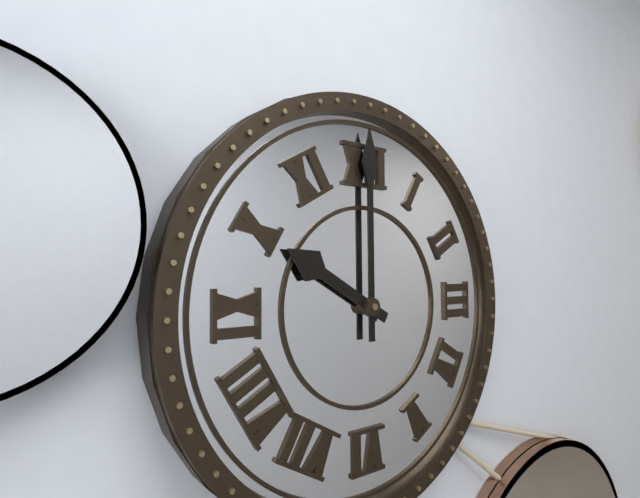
10:00
